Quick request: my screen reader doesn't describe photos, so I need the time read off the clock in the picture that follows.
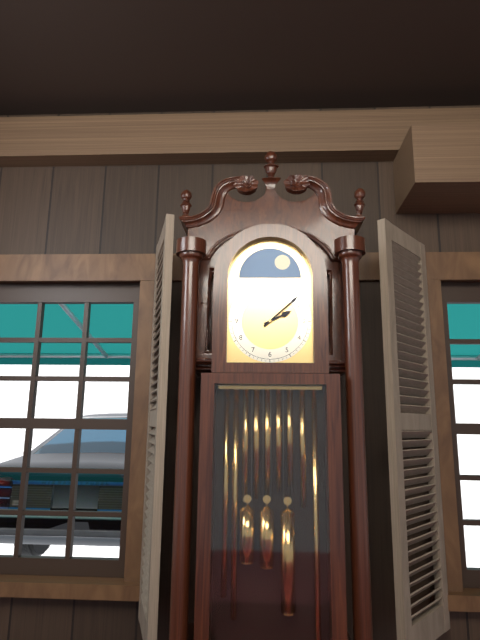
2:08
